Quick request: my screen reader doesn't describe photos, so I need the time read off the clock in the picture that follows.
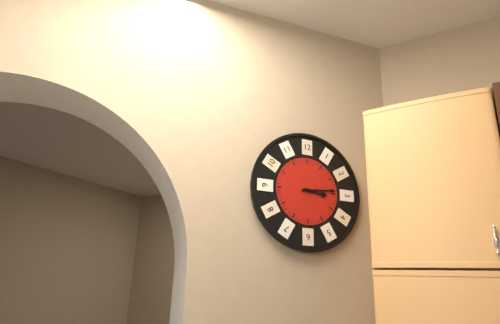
3:14
